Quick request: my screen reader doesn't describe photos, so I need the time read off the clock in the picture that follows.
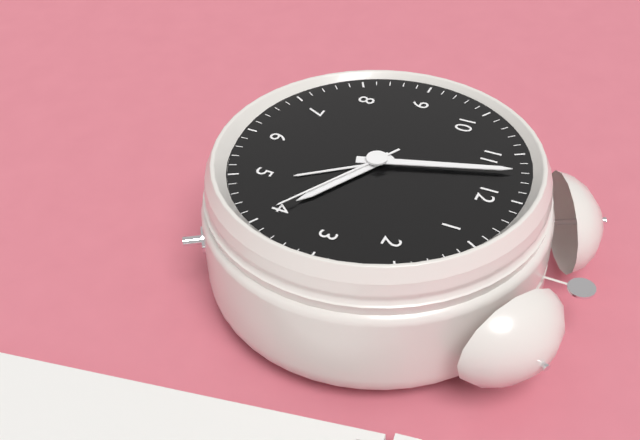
3:57:20
